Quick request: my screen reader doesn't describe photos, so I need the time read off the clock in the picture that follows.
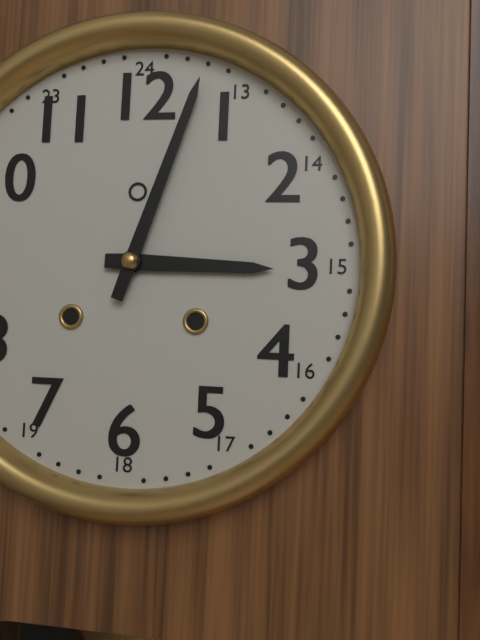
3:03
